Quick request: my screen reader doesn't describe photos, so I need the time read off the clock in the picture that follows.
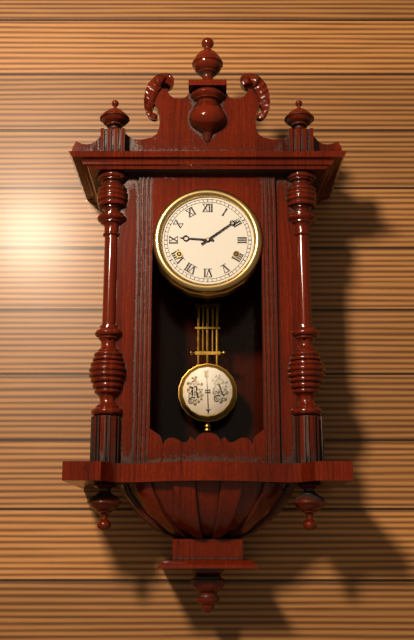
9:09
